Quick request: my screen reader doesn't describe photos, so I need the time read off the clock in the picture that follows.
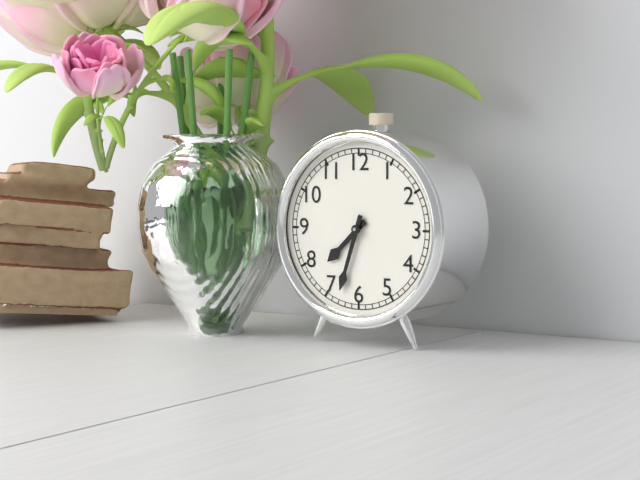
7:33
